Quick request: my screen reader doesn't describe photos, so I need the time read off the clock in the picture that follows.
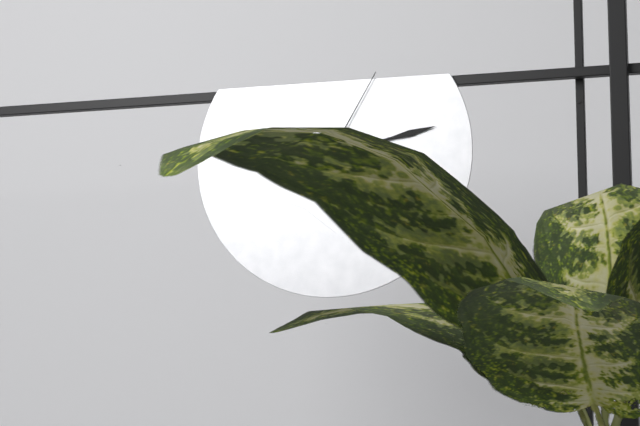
5:13:05
